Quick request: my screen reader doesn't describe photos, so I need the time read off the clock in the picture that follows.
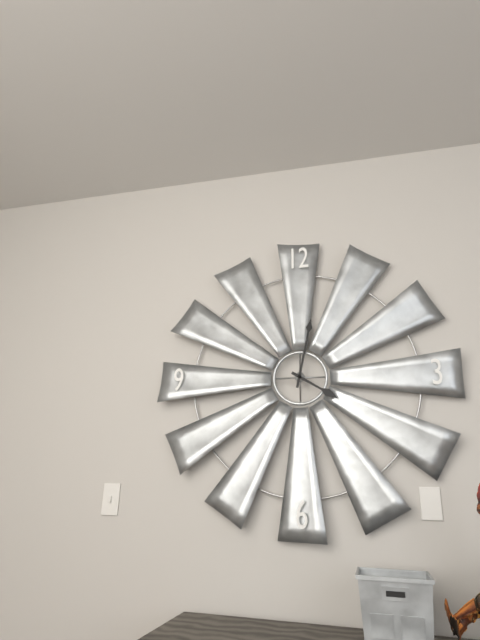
4:02
